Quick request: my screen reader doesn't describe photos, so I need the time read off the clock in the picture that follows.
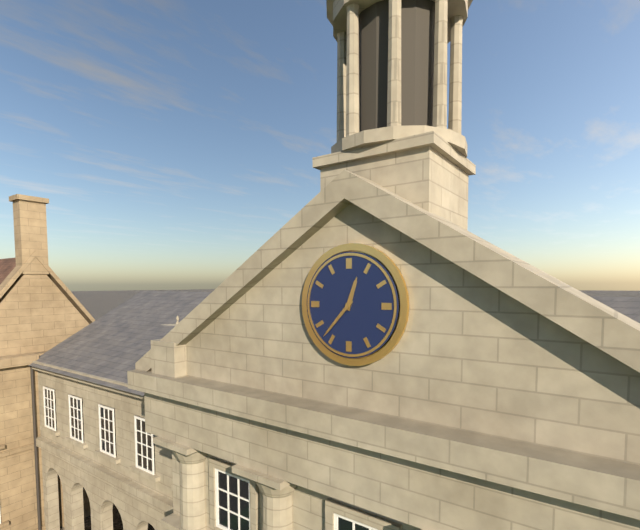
12:37
